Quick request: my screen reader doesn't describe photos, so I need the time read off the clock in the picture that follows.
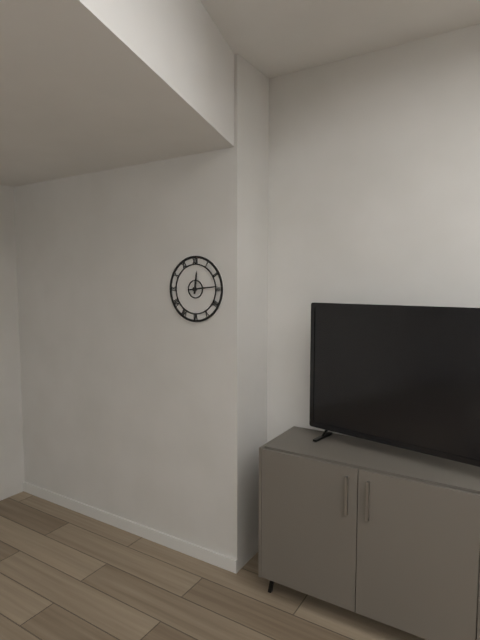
12:14
